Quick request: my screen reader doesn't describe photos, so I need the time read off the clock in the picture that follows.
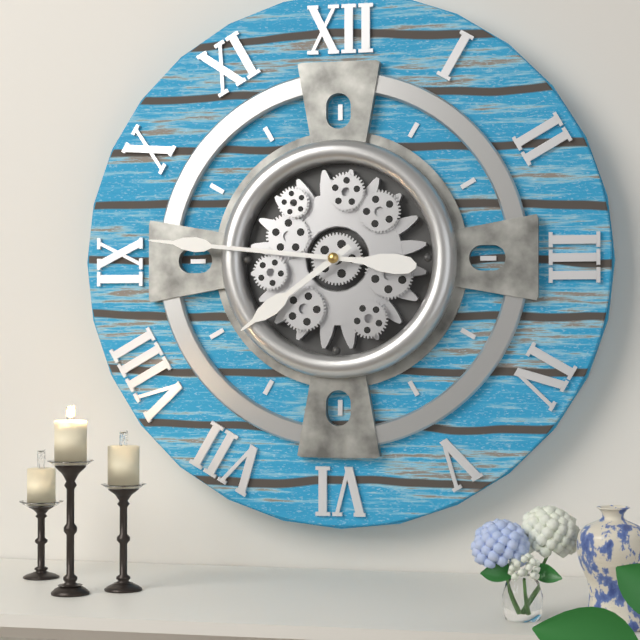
7:46
